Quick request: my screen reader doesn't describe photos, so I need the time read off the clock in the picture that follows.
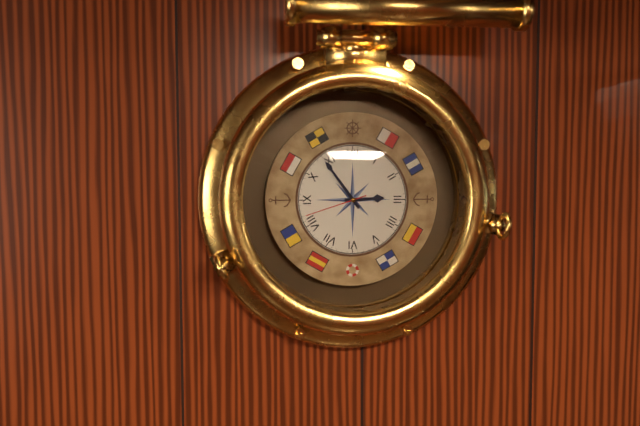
2:54:42
